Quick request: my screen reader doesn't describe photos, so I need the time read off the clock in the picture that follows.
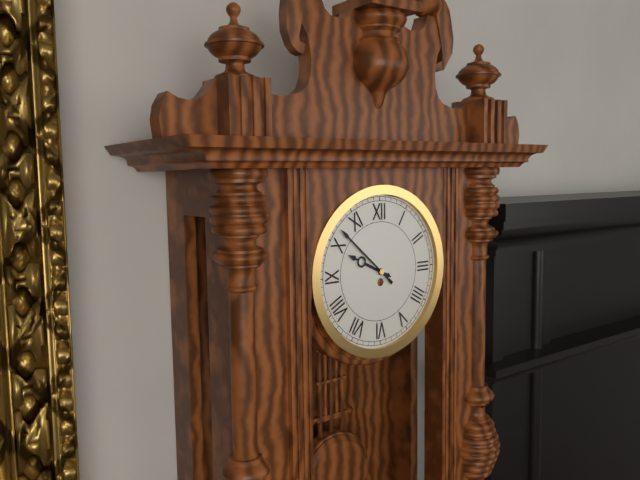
9:52
